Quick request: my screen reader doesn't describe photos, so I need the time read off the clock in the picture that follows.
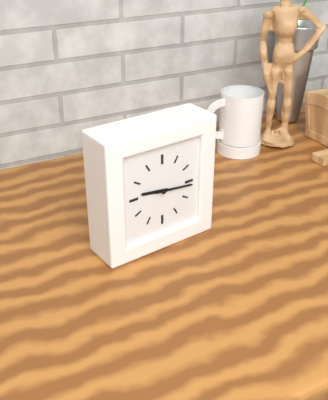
9:16
